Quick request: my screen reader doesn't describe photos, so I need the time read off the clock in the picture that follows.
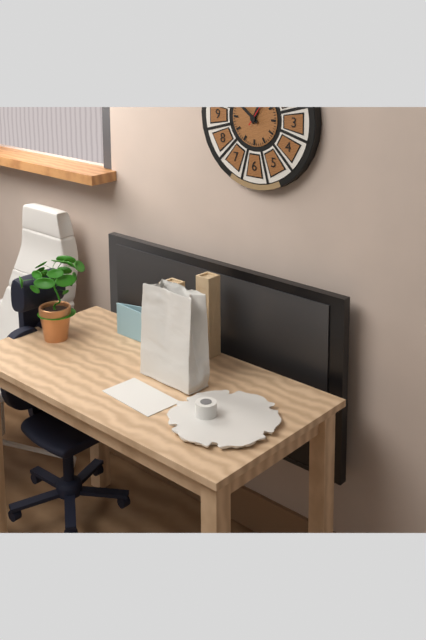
12:51
